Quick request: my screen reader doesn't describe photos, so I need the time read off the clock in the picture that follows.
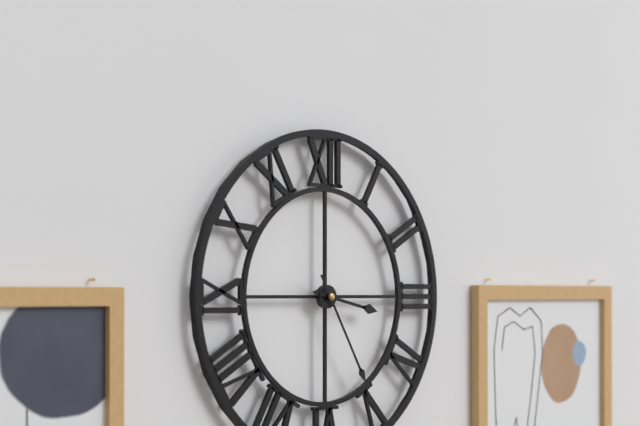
3:25
